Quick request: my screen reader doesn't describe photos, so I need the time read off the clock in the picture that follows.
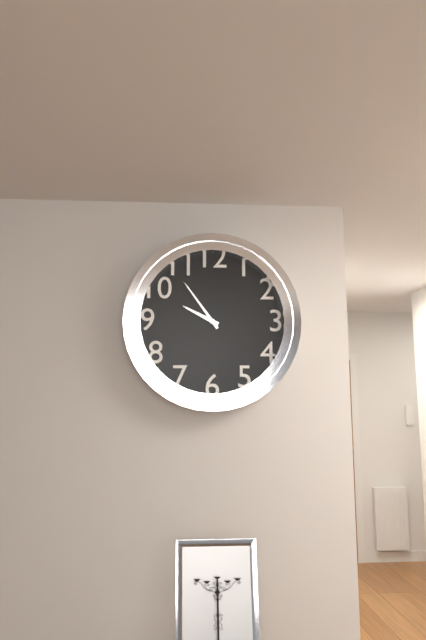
9:54
